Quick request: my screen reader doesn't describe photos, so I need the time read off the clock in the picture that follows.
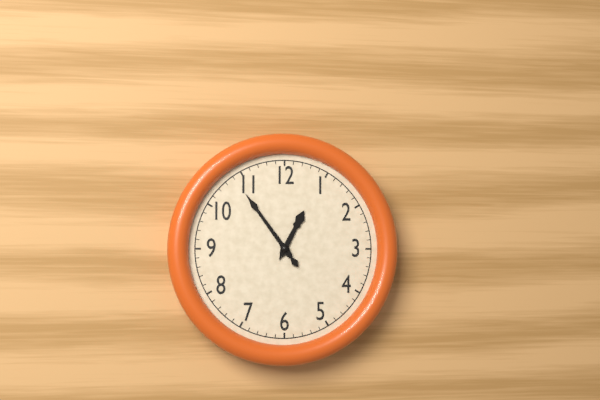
12:54
